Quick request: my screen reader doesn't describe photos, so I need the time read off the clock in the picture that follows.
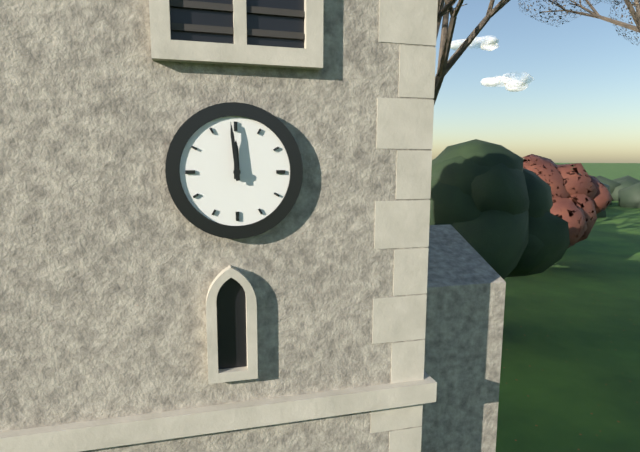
11:59
